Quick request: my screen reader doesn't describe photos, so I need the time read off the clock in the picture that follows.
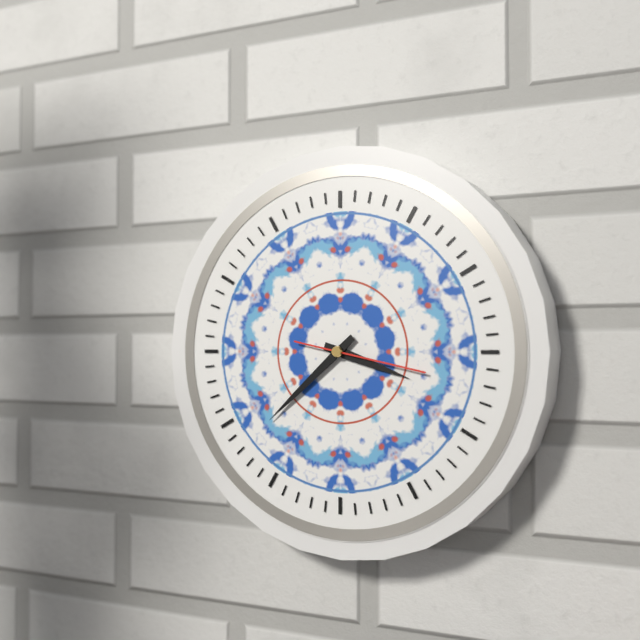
3:38:17
